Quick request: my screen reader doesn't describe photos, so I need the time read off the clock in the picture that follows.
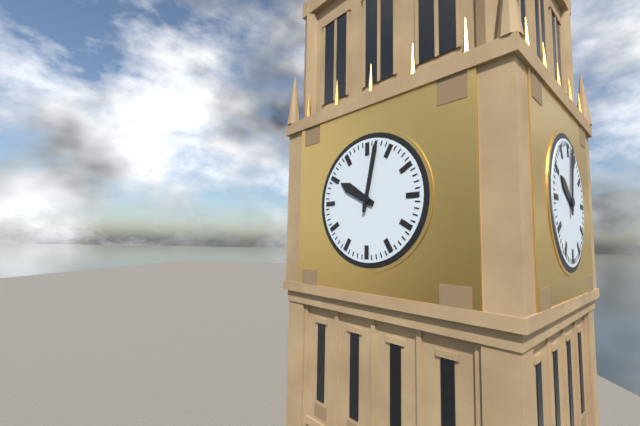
10:02
